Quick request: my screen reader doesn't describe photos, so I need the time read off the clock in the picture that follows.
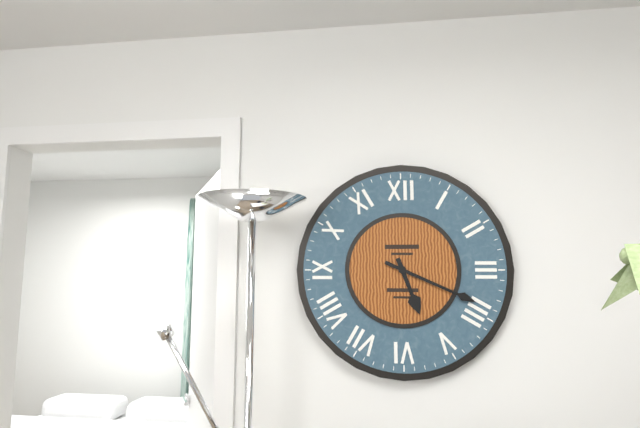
5:19
